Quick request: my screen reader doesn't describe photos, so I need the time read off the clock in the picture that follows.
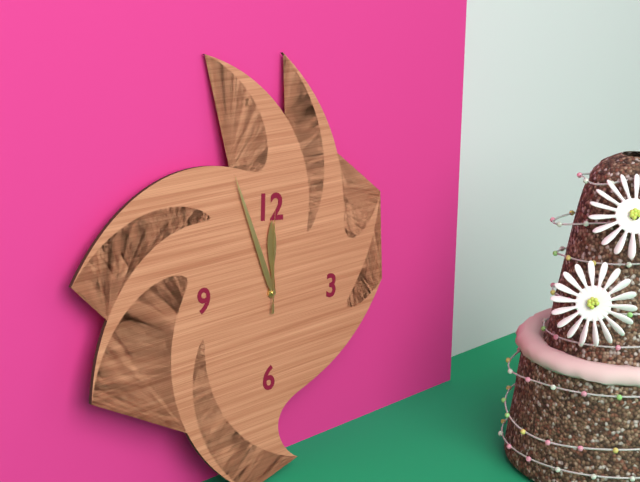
11:56:00
